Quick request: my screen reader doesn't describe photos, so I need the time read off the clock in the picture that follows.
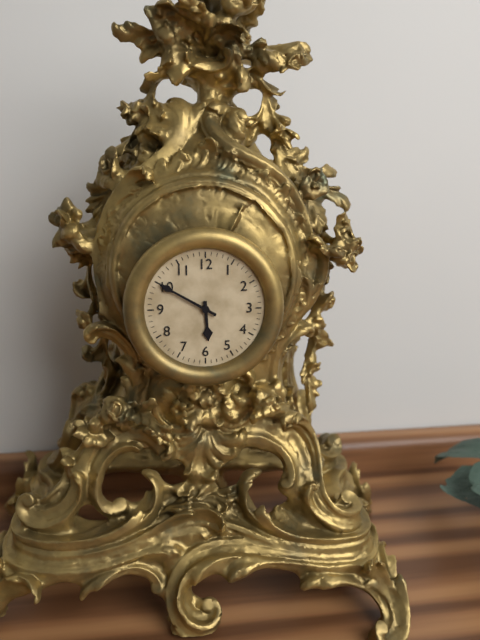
5:50
